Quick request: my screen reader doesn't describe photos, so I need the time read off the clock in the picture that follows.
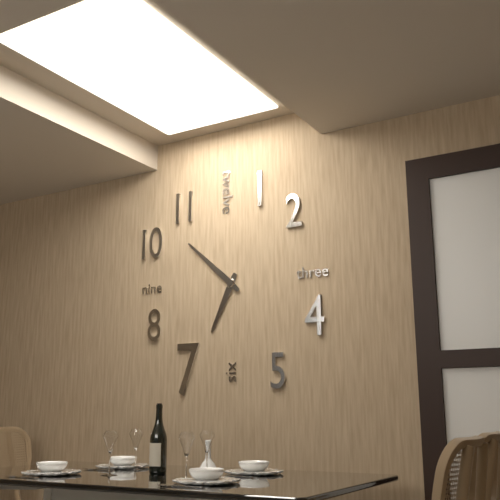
6:52
